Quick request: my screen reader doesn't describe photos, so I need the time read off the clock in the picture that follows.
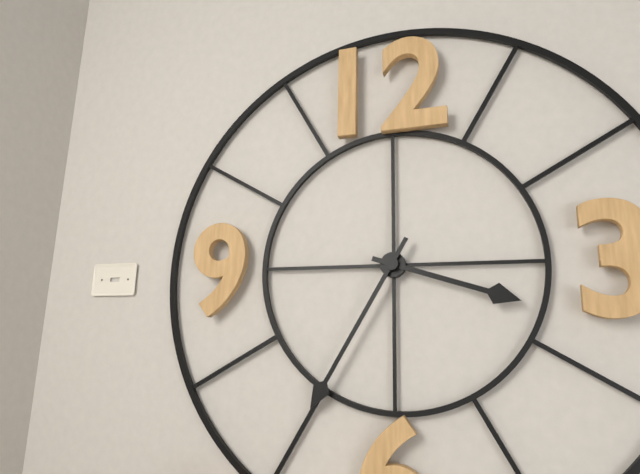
3:35
